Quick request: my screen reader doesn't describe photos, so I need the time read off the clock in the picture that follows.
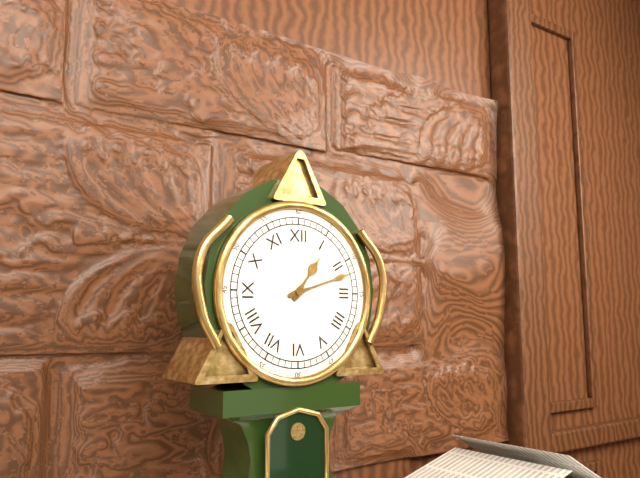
1:12
